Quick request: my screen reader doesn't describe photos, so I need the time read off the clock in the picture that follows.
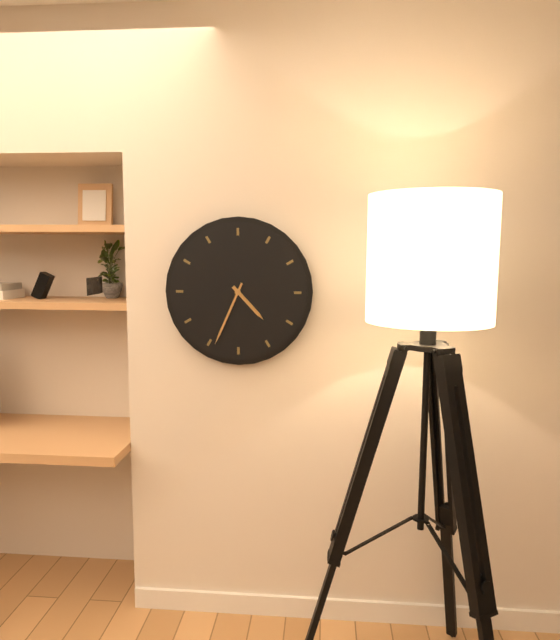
4:34
